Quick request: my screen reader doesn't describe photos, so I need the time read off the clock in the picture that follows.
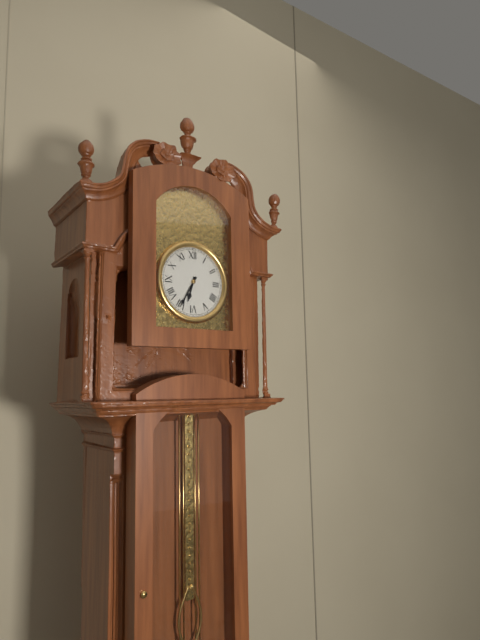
6:35
